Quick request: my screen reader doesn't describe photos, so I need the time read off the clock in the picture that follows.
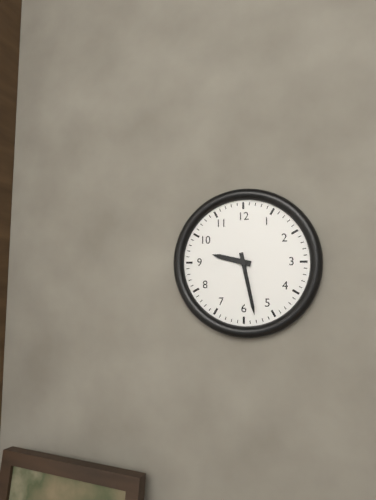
9:28
